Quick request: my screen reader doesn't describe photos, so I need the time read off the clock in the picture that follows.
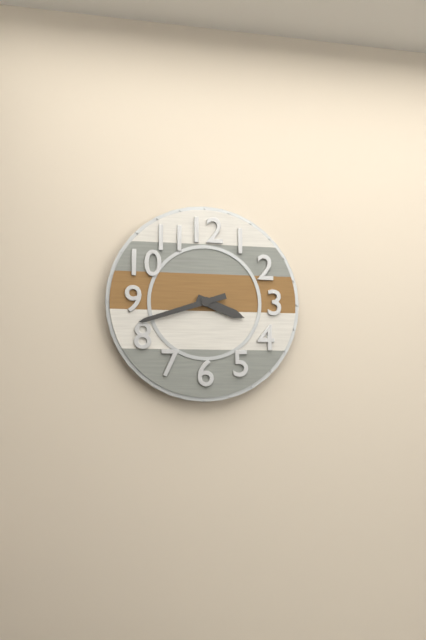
3:42
